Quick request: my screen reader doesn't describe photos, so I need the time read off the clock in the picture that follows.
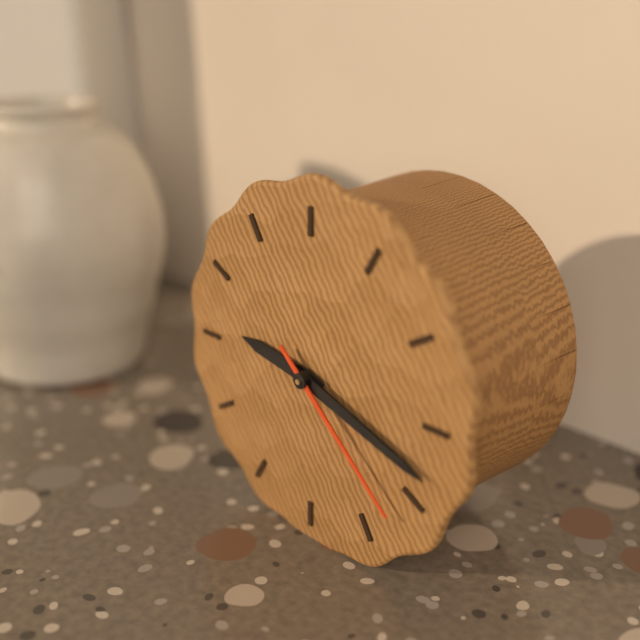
9:18:22
